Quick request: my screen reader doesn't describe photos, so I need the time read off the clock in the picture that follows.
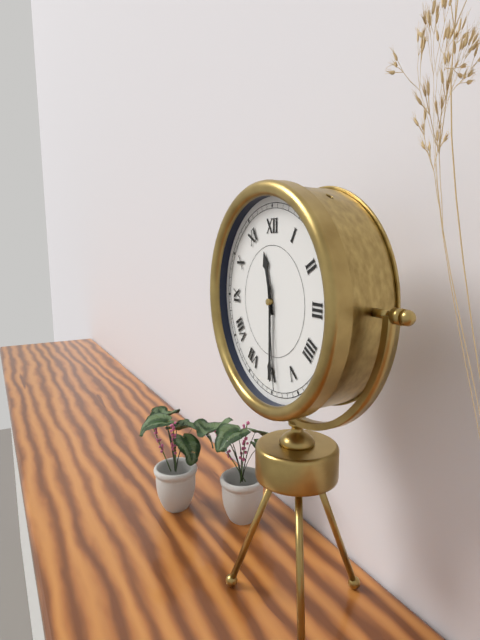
11:30:29
